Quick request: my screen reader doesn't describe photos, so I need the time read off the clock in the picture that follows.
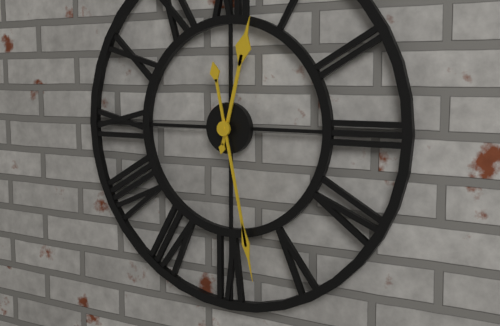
12:28
